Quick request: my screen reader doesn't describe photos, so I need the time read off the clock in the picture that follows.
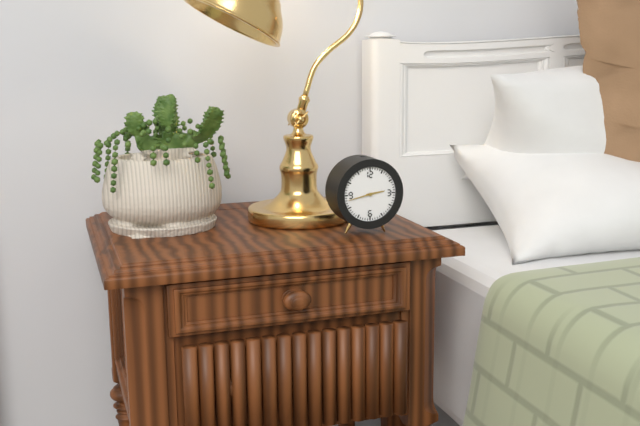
2:43
